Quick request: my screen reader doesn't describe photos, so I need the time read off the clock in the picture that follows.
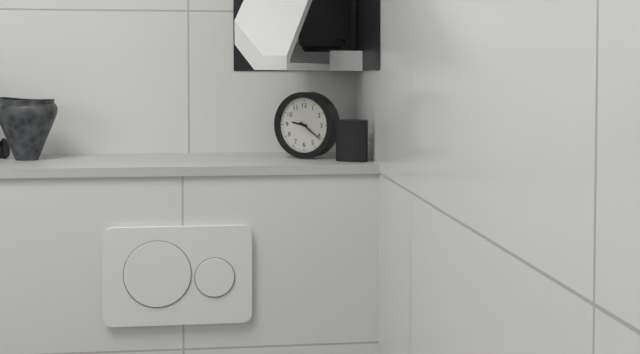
9:21
